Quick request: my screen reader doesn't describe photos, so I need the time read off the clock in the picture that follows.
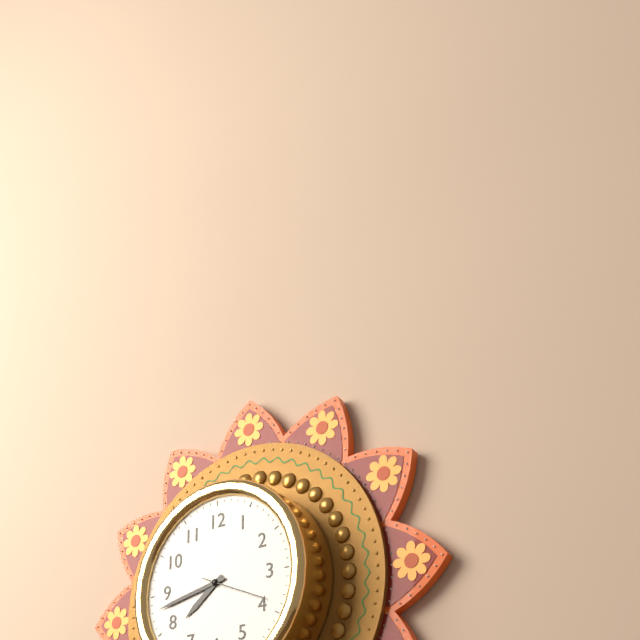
7:43
